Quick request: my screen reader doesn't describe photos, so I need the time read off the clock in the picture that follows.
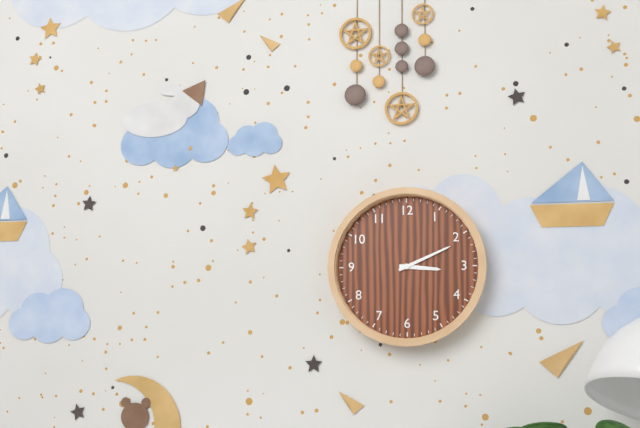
3:11
